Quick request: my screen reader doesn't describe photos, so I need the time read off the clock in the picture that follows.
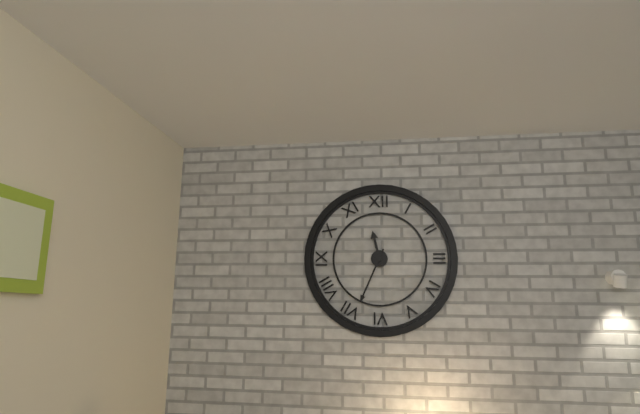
11:34
